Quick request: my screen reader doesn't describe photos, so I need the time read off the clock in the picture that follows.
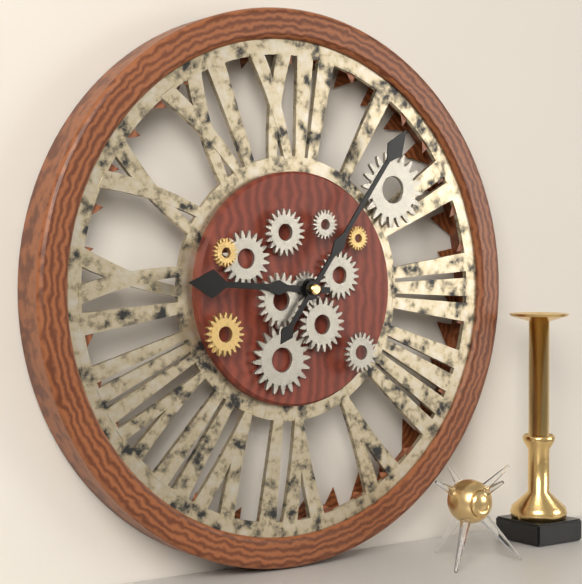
9:06
